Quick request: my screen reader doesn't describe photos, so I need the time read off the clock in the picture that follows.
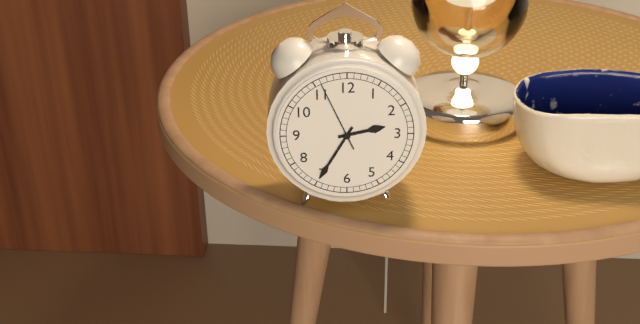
2:35:56
